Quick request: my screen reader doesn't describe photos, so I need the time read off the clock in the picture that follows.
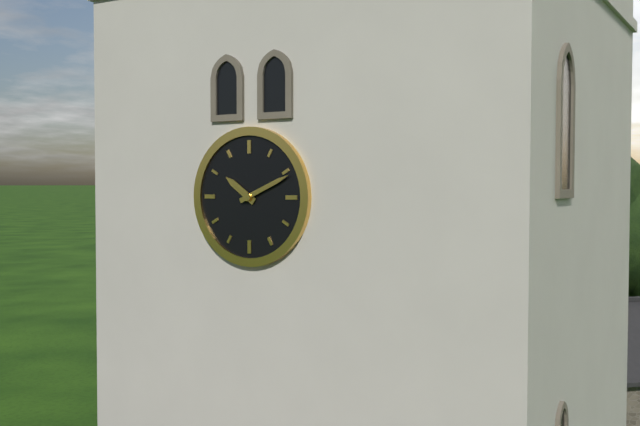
10:11
